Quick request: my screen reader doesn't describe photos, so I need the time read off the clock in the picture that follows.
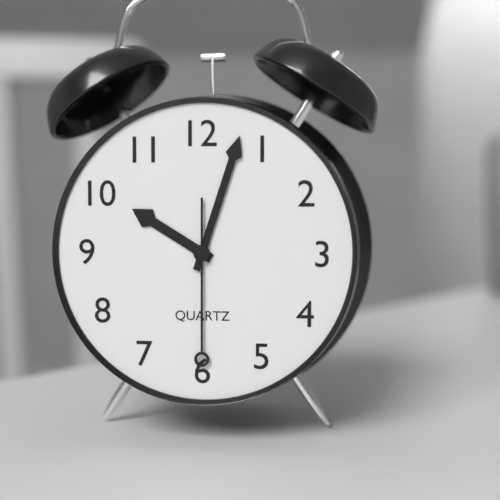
10:03:30
